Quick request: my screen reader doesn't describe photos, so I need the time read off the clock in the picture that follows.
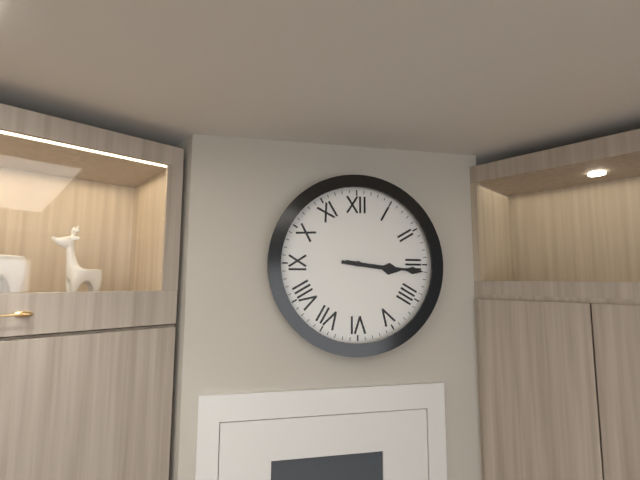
3:16
